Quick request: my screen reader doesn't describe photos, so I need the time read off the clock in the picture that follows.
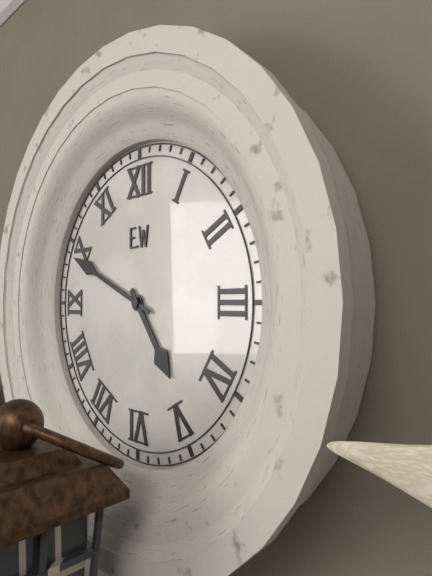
4:49
